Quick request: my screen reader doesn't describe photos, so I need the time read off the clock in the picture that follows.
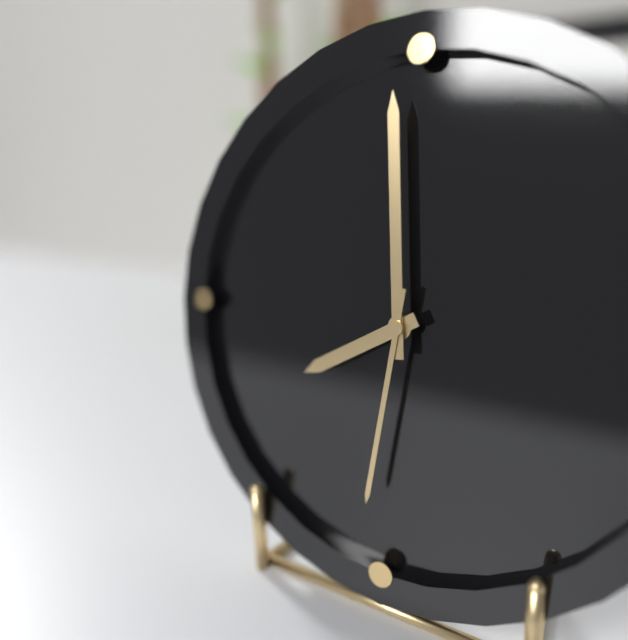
7:59:31
